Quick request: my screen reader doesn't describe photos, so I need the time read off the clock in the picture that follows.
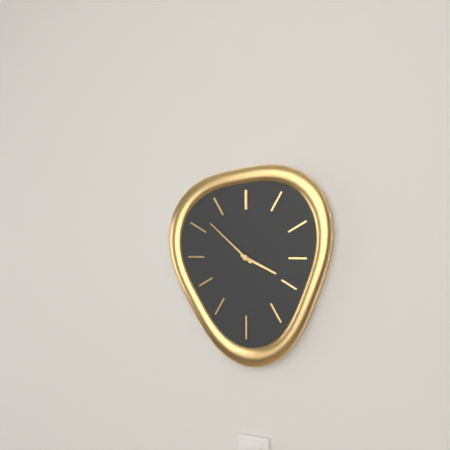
3:52
